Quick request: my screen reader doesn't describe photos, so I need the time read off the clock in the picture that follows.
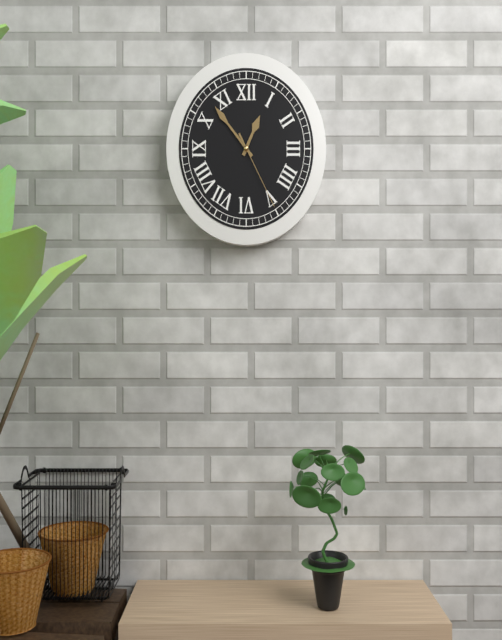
12:53:25
